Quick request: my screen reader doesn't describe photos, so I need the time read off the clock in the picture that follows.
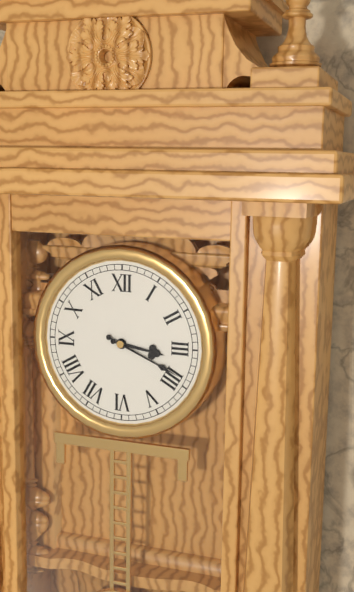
3:19
